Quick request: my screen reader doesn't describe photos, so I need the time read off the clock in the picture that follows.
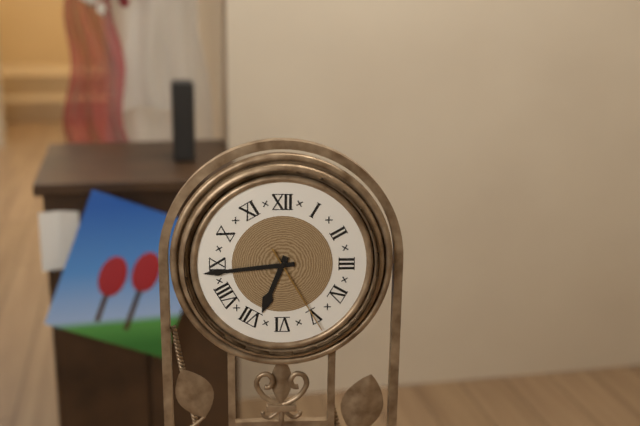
6:44:25
